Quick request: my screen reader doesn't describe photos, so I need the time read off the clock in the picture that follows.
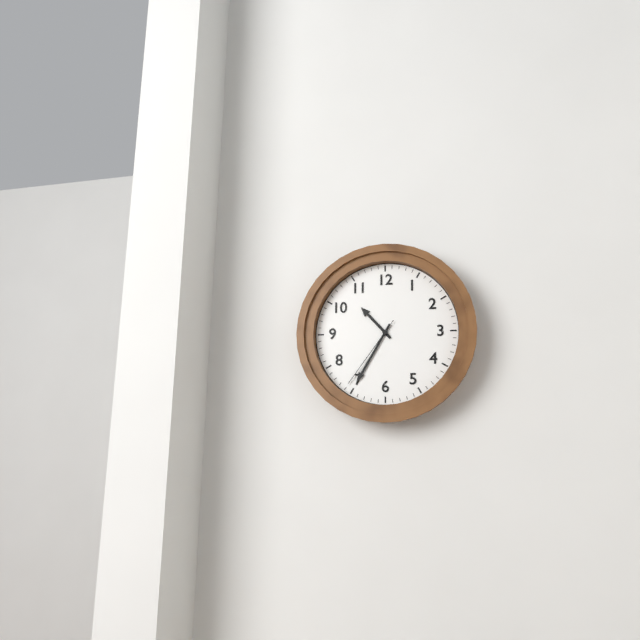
10:35:36
